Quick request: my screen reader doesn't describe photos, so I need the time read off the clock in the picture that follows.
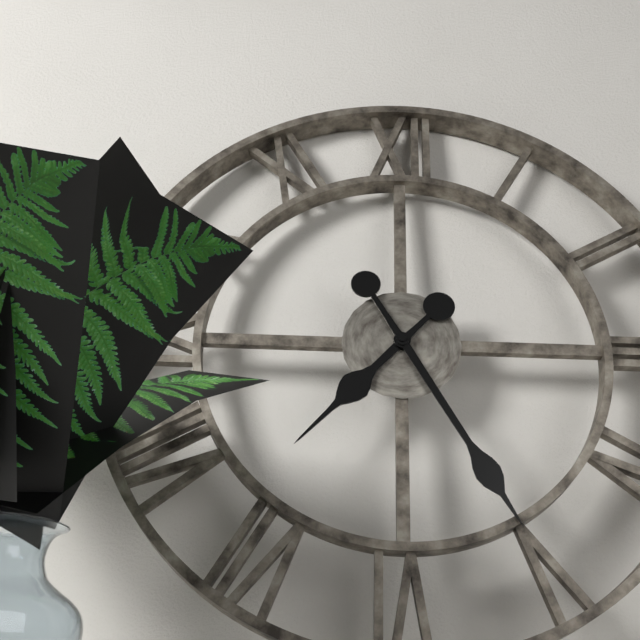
7:25
